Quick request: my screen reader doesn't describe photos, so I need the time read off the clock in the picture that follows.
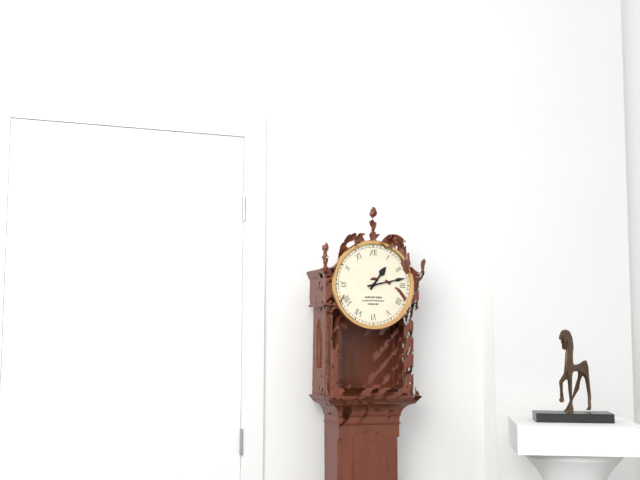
1:13
